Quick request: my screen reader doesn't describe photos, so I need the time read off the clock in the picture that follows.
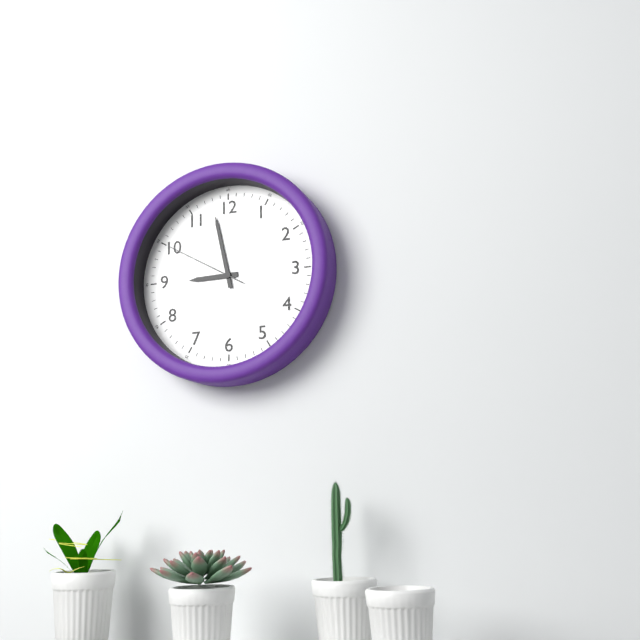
8:58:50
